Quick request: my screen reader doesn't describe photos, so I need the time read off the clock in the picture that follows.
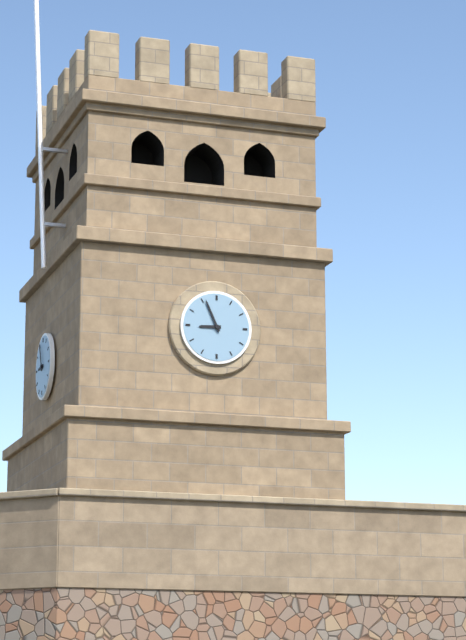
8:56
